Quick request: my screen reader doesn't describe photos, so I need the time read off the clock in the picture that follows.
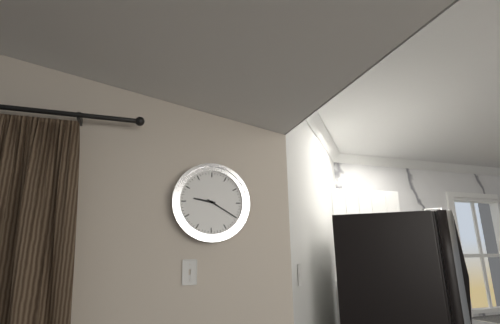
9:20
